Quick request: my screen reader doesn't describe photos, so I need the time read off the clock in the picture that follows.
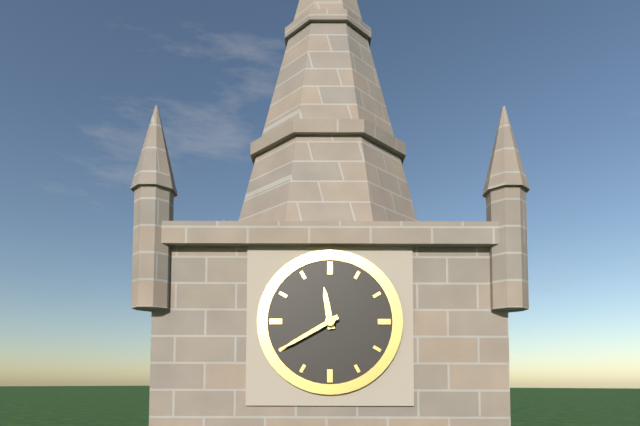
11:40
